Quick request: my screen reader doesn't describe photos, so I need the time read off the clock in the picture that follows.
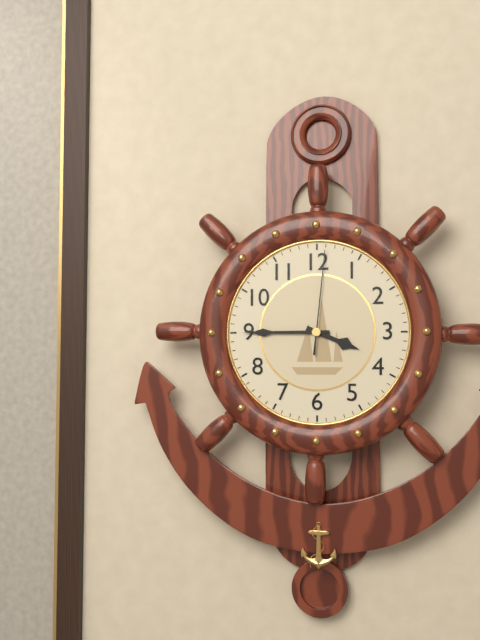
3:45:01
